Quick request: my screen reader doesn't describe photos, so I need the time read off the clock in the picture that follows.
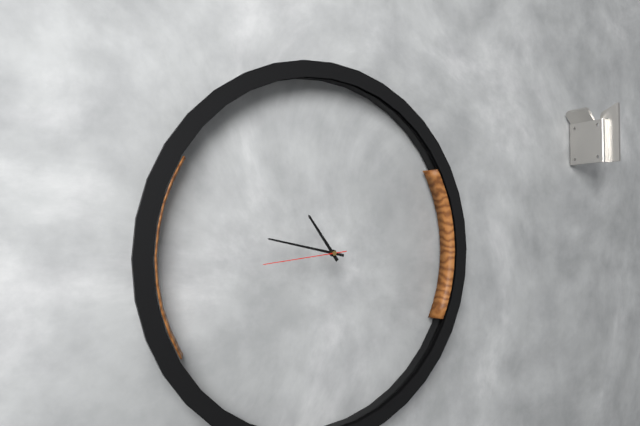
10:47:44
